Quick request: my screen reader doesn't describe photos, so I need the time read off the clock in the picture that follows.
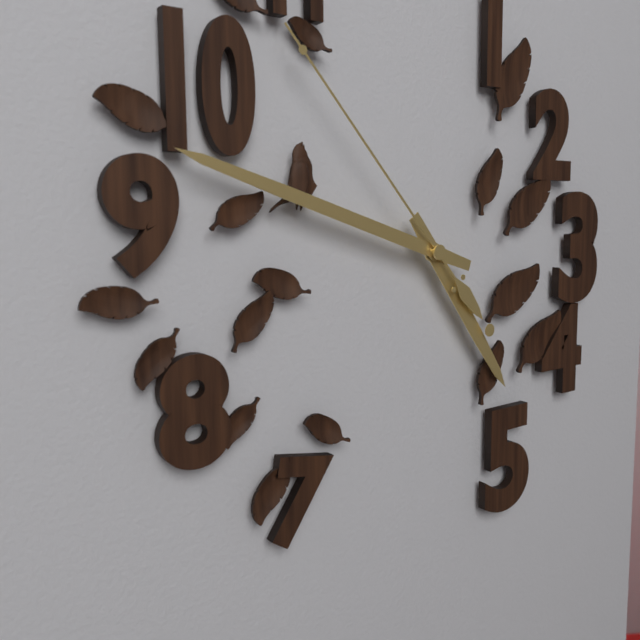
4:48:53
